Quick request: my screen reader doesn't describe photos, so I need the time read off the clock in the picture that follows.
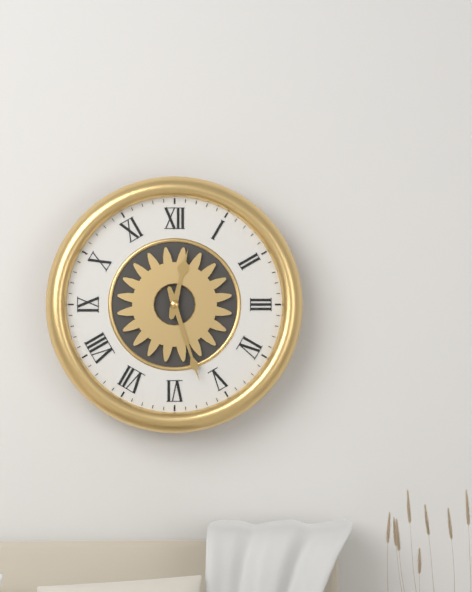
12:27
